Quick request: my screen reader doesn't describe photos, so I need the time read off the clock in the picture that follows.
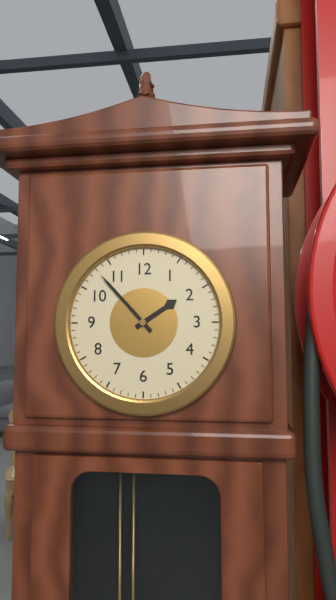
1:53
